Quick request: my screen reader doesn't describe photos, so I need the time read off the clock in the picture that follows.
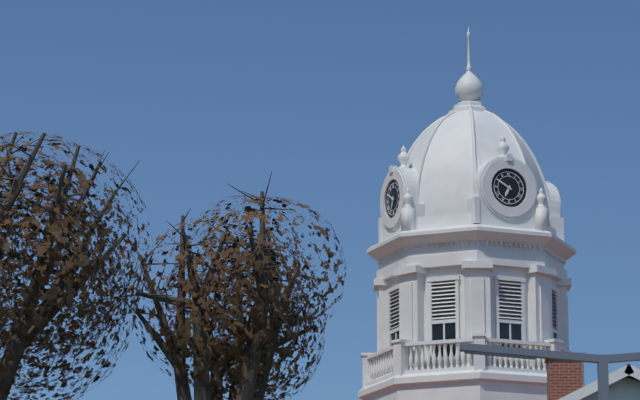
6:50
